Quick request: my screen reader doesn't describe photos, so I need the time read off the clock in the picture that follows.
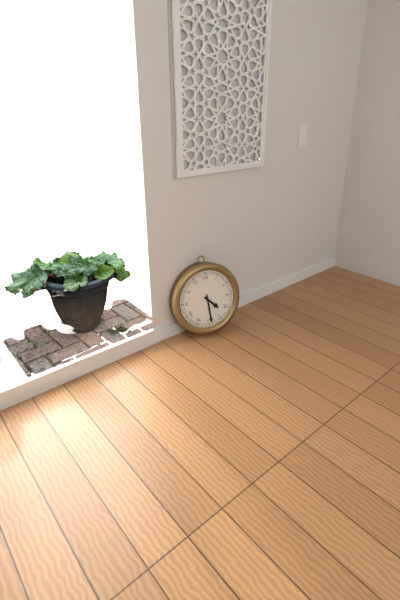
4:29
